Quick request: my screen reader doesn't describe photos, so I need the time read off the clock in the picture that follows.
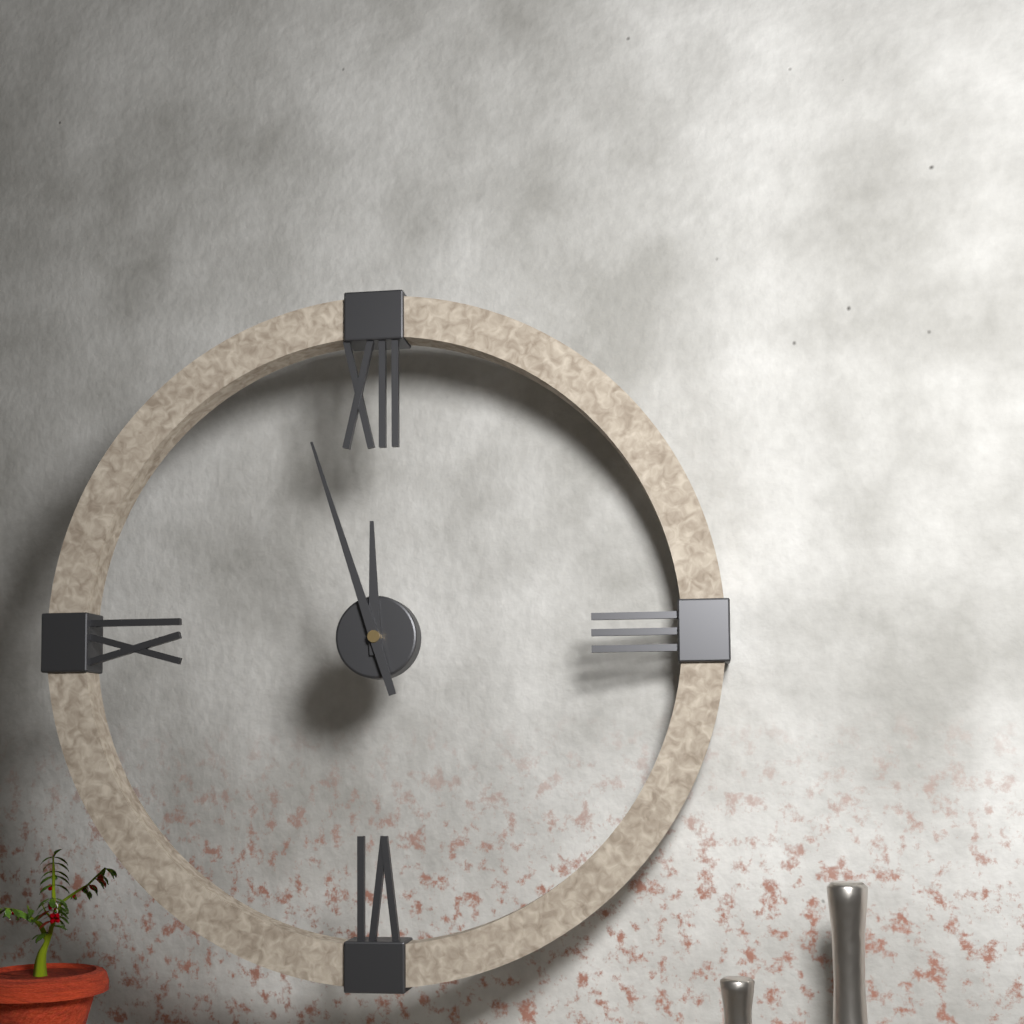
11:57
